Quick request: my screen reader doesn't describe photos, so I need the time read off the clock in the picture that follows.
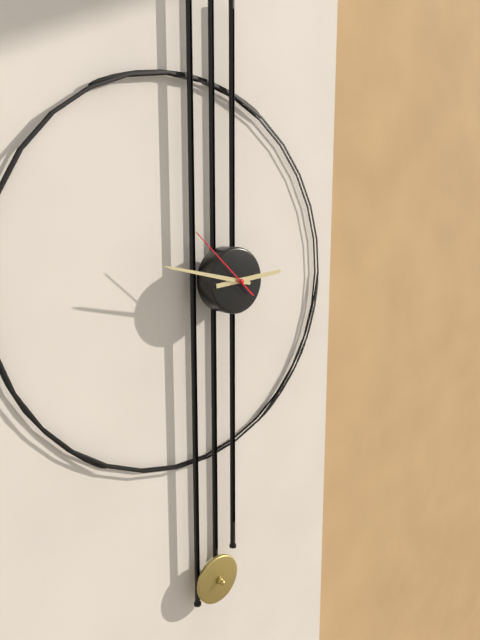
2:47:52
